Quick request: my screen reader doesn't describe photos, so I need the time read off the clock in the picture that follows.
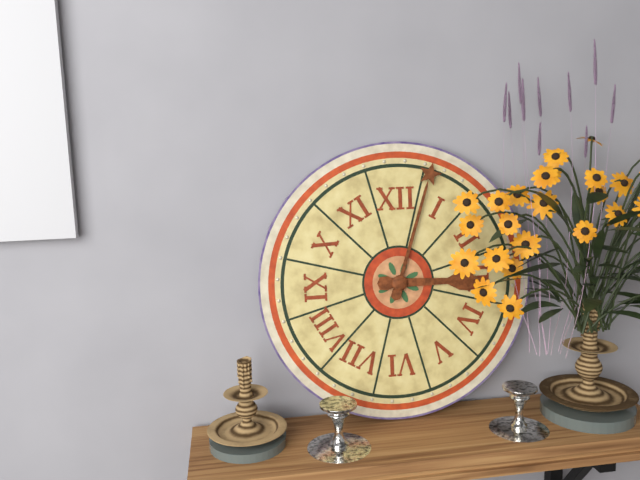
3:03
